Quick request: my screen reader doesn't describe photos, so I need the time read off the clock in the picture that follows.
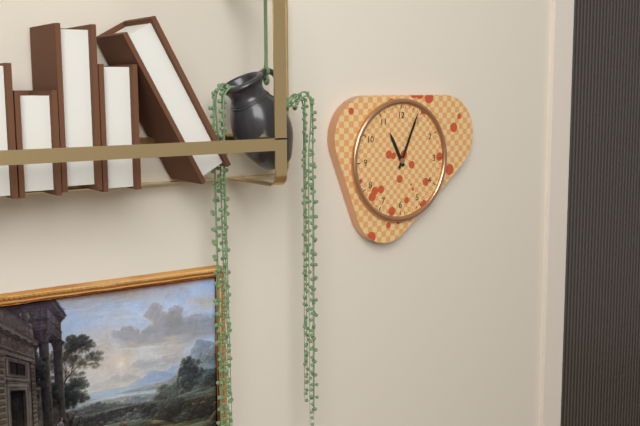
11:04
